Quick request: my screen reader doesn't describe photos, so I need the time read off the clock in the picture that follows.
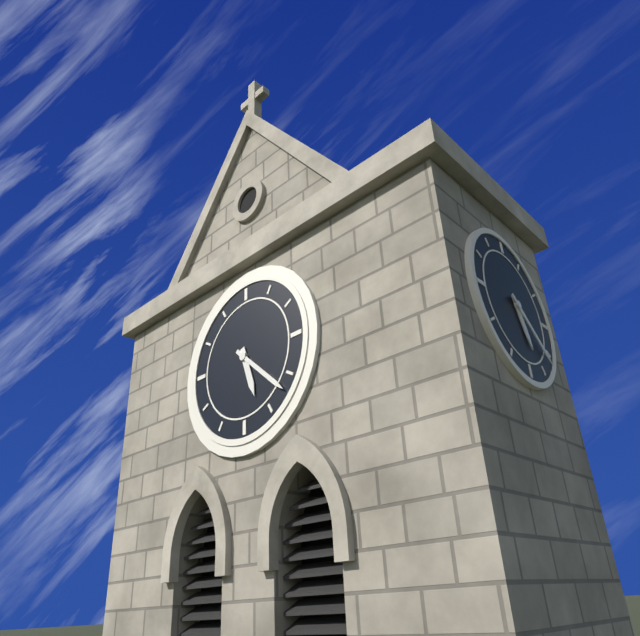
5:22
